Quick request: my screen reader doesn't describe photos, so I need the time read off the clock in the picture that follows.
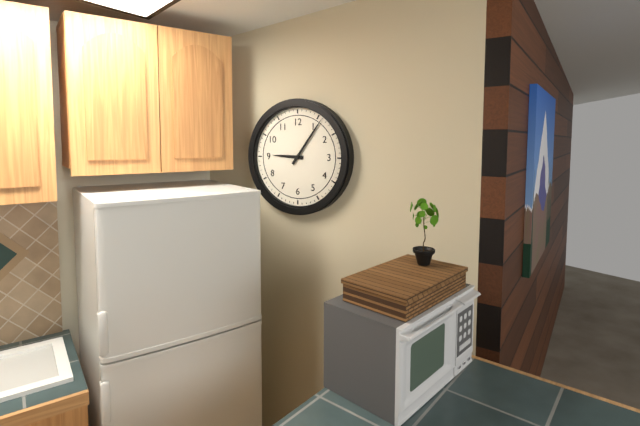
9:06
